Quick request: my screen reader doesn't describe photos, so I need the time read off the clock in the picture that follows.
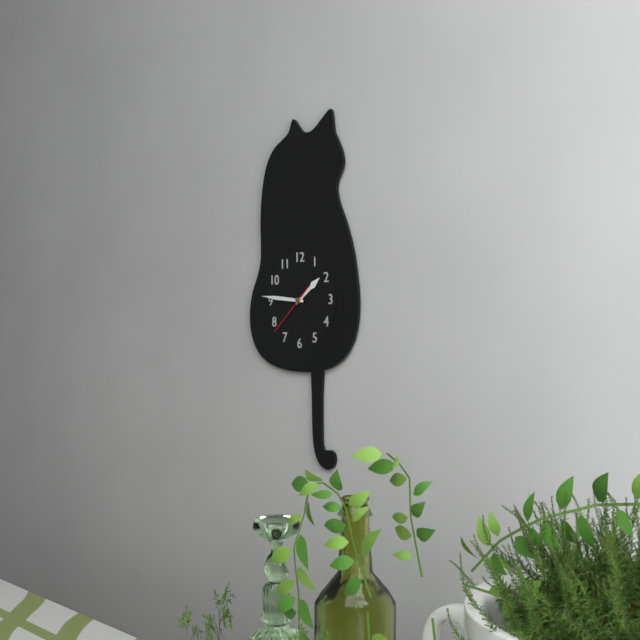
1:46
